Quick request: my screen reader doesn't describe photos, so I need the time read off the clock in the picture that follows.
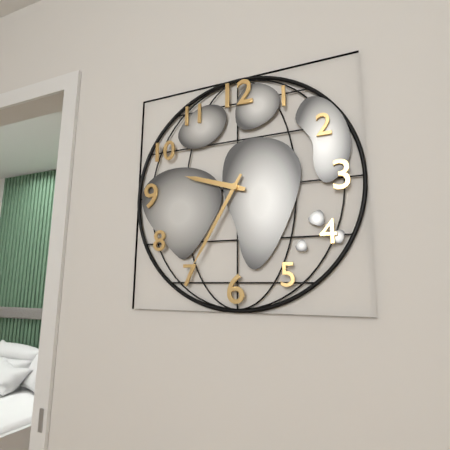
9:35
